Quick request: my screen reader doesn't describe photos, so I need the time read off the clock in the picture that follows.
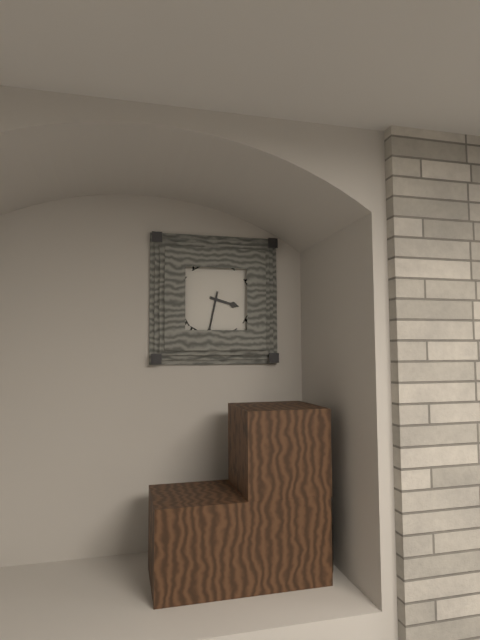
3:32
